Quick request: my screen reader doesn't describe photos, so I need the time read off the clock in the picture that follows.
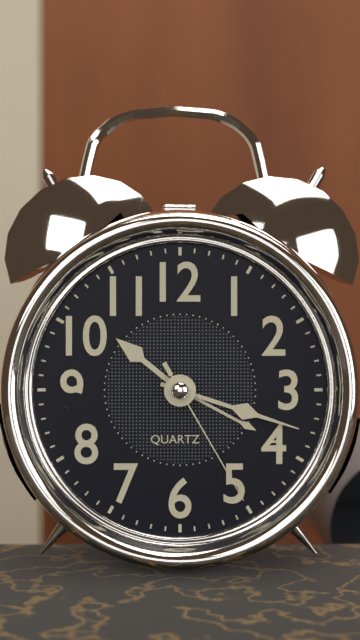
10:18:25
